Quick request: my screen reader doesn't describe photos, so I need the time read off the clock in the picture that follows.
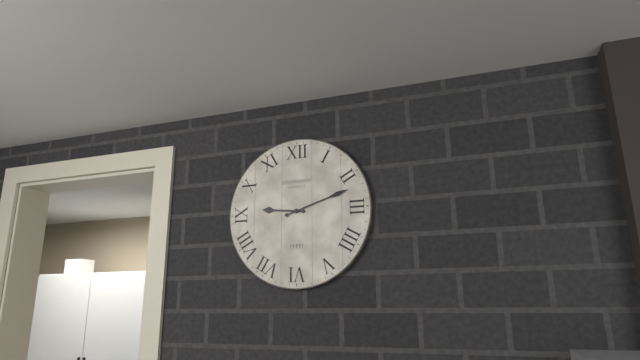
9:12
